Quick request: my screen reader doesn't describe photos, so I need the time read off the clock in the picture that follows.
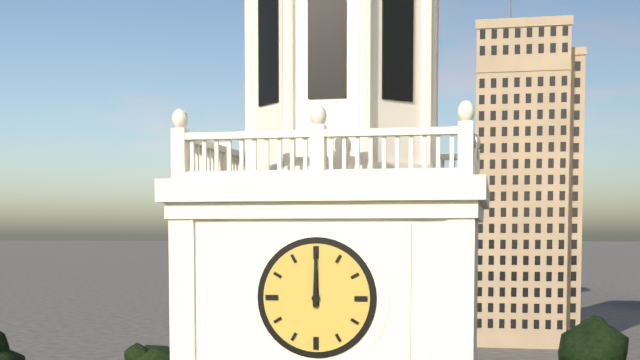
12:00
